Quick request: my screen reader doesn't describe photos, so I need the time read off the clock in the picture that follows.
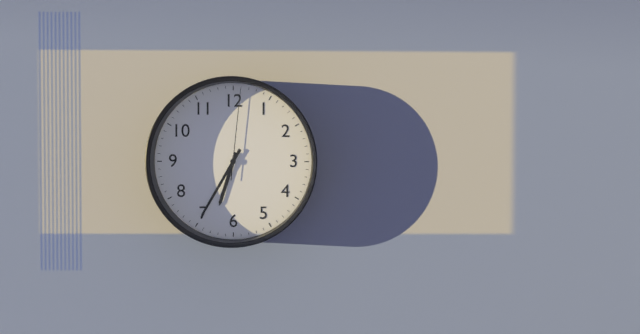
6:35:01
